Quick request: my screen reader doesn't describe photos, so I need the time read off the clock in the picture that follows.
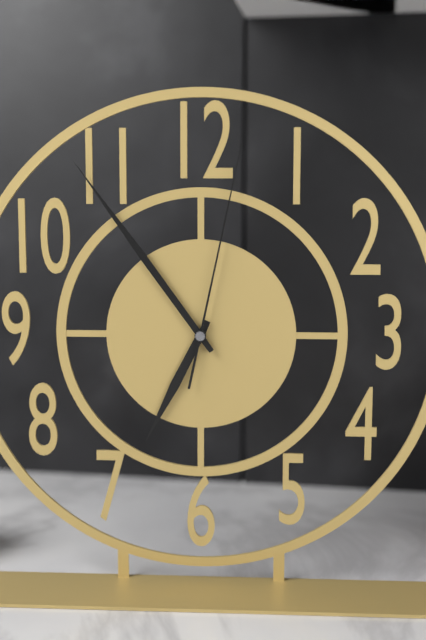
6:54:02
